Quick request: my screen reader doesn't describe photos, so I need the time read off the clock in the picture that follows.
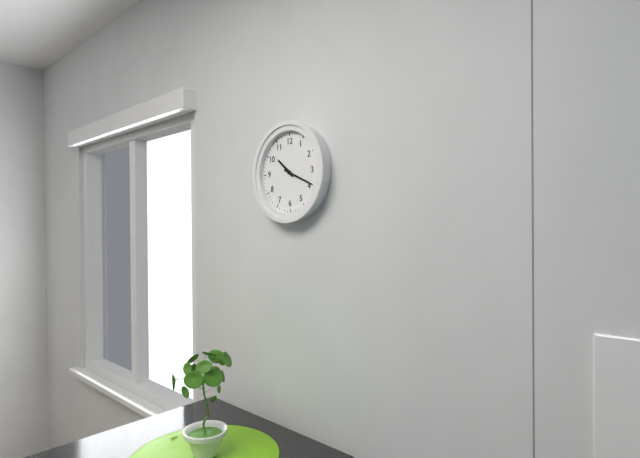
10:19
